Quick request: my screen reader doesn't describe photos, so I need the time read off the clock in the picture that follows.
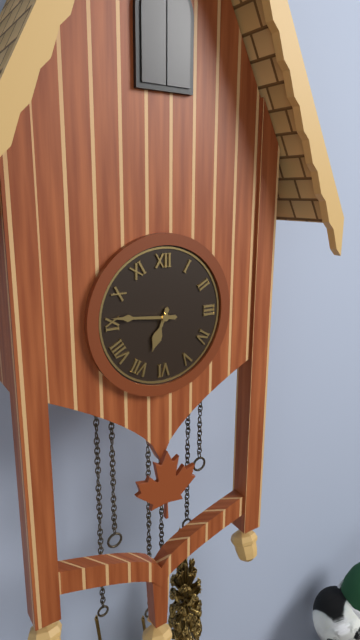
6:46
